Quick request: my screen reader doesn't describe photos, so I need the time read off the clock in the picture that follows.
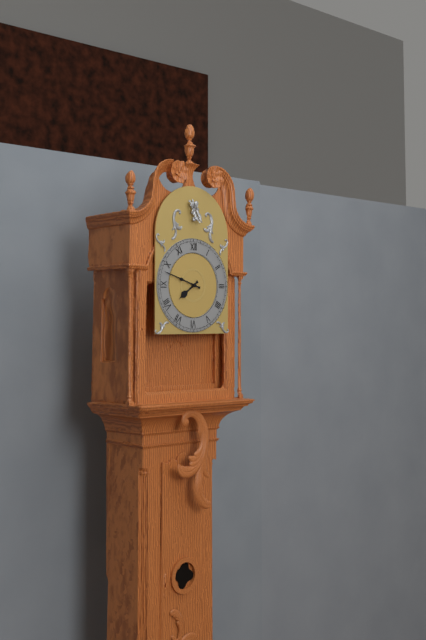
7:48
